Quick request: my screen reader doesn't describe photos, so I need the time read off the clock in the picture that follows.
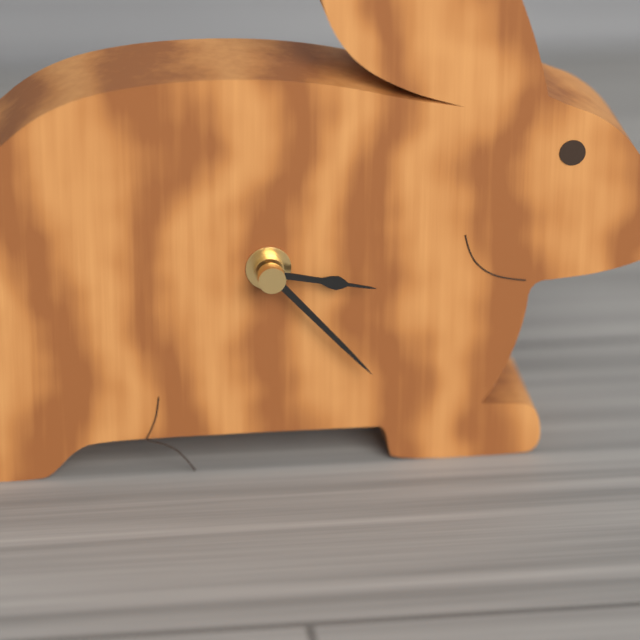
3:23
